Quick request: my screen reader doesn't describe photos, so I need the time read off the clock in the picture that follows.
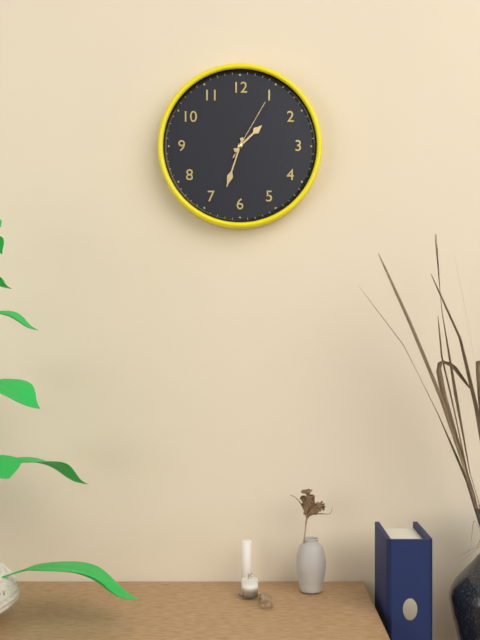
1:33:05
